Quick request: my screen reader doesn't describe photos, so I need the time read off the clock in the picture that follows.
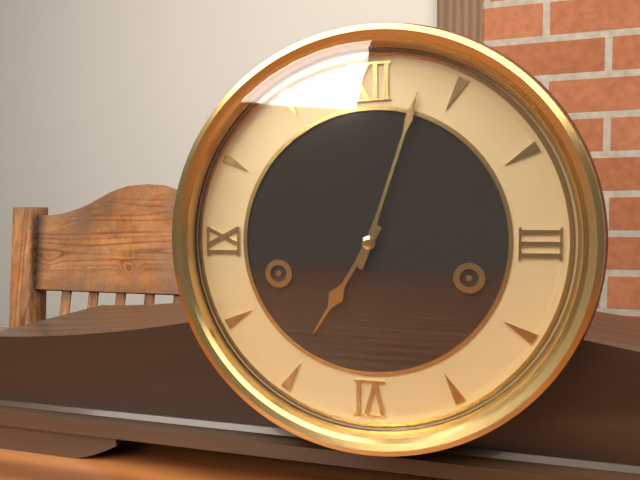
7:03
